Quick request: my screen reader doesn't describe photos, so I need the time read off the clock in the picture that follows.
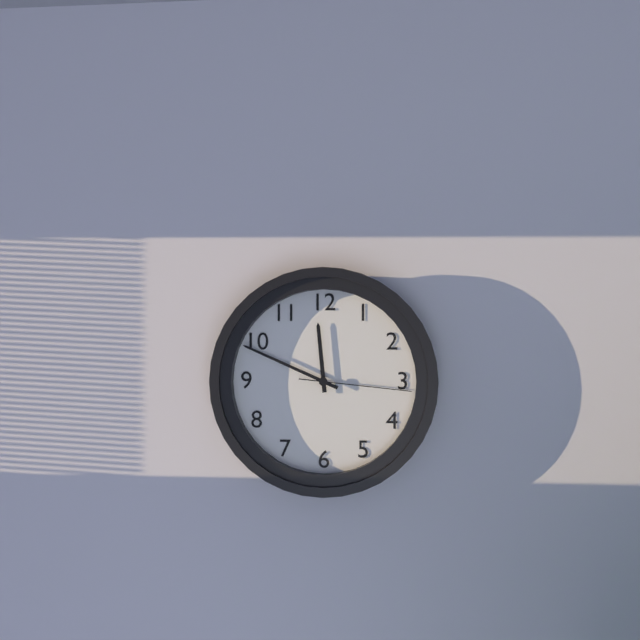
11:49:16
